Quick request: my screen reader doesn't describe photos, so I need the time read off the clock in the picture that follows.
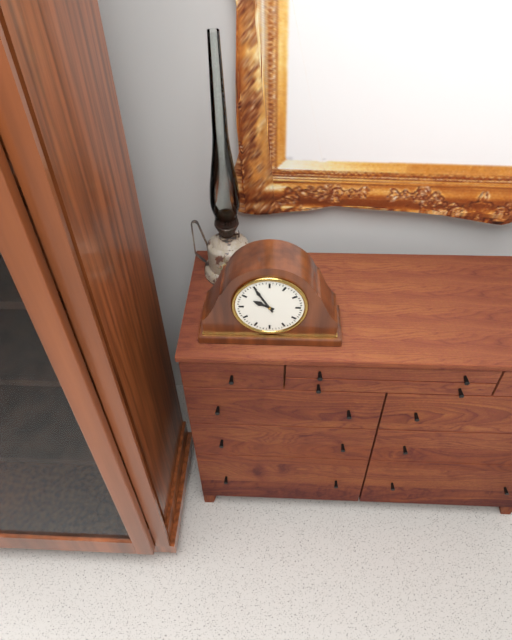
9:55
